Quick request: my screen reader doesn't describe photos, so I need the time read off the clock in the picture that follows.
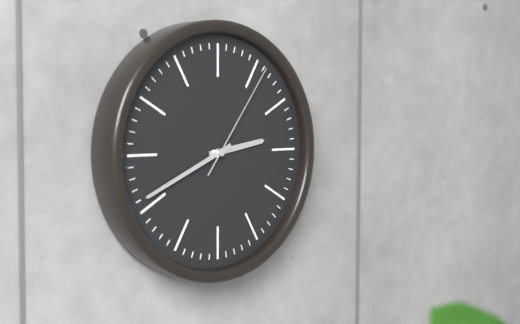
2:41:06
